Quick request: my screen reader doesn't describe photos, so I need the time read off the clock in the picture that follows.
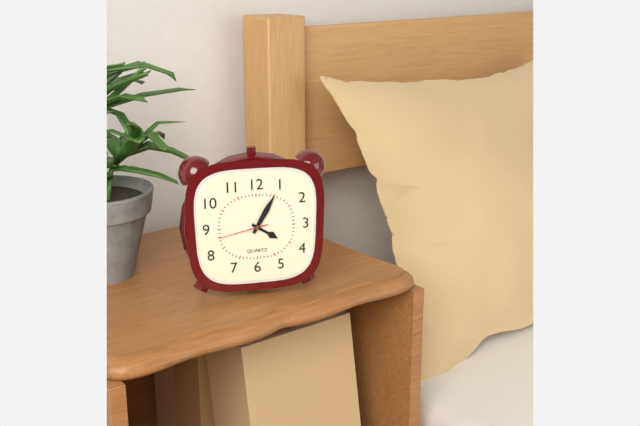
4:05:43
